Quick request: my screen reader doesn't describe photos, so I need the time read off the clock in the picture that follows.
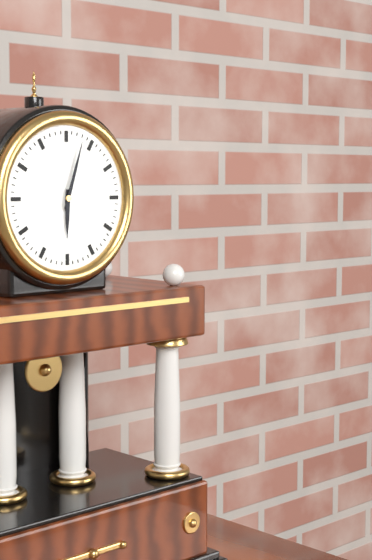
6:03
